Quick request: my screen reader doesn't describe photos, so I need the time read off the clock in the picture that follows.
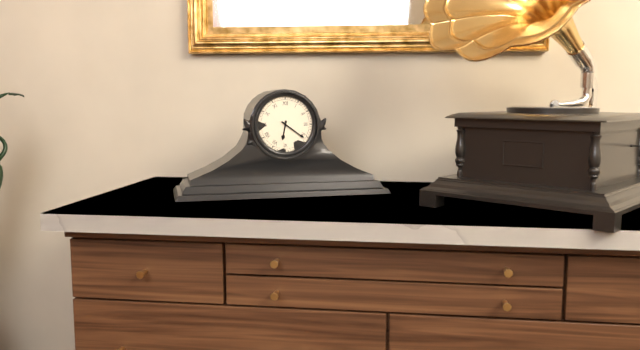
6:21
